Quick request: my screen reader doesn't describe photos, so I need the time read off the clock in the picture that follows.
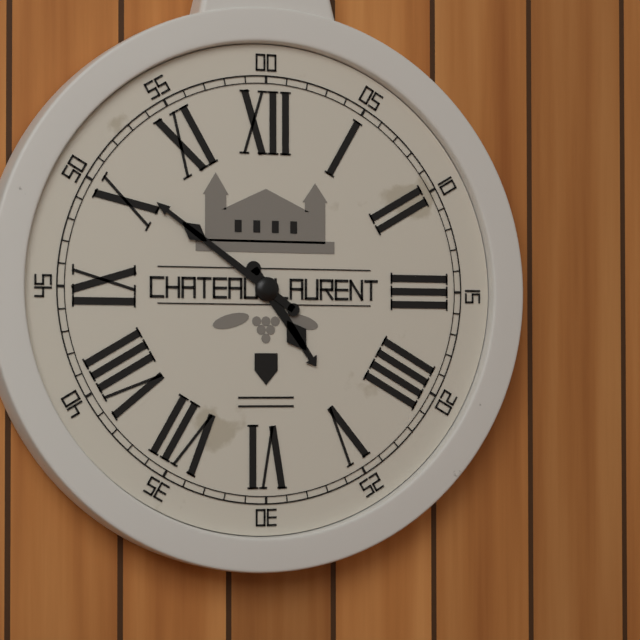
4:51
